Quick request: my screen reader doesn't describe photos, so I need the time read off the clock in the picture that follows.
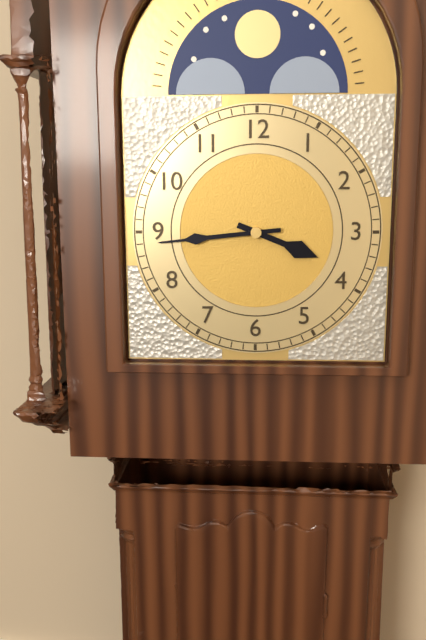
3:44
